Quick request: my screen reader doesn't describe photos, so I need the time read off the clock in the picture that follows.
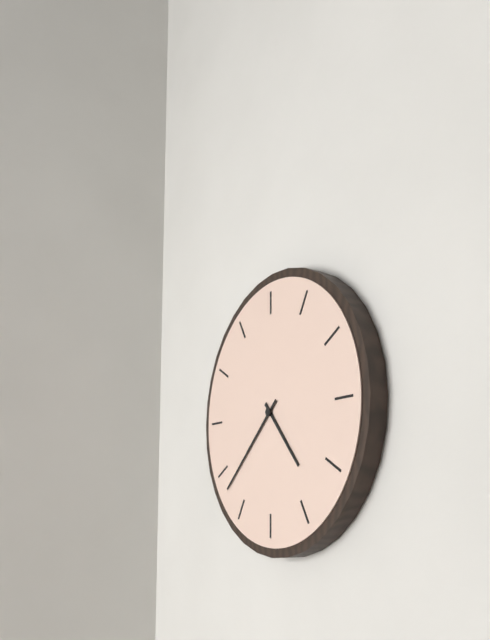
4:38
